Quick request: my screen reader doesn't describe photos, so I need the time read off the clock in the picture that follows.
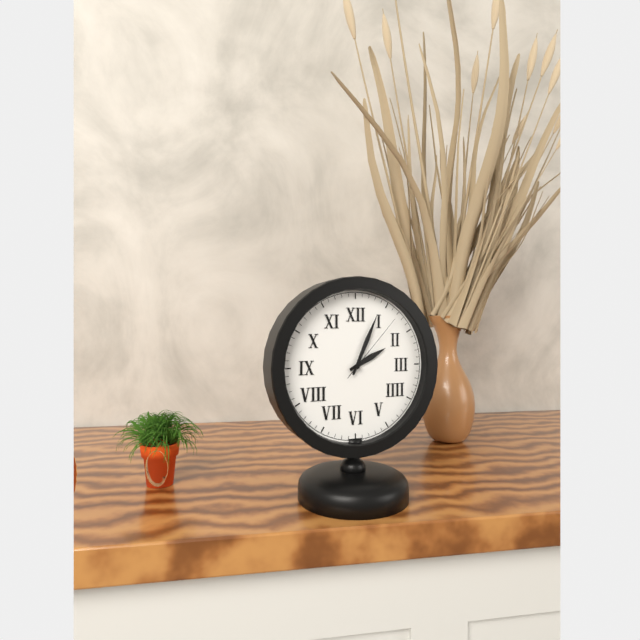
2:04:07
